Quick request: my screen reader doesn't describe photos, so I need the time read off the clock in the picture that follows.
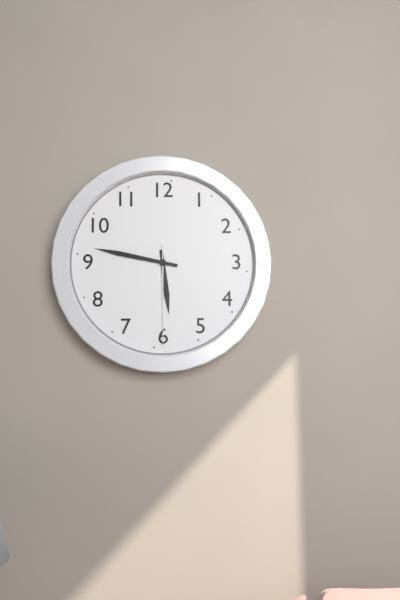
5:47:30
